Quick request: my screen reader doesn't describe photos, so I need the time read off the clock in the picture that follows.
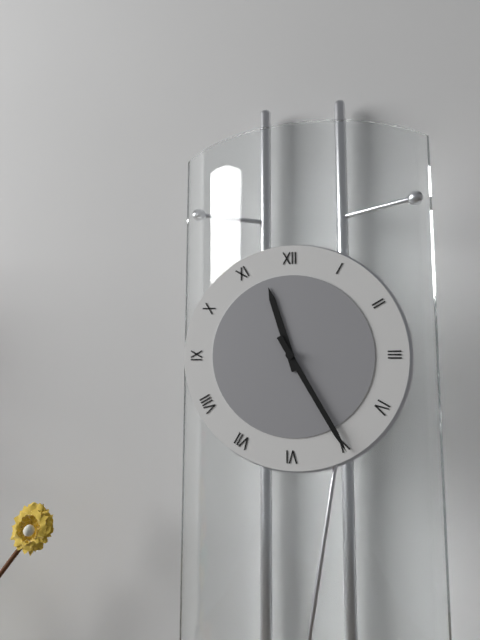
11:25
